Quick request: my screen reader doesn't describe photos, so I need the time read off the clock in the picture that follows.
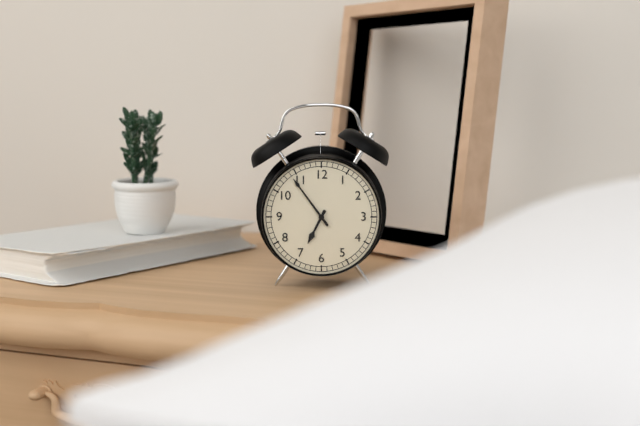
6:54
